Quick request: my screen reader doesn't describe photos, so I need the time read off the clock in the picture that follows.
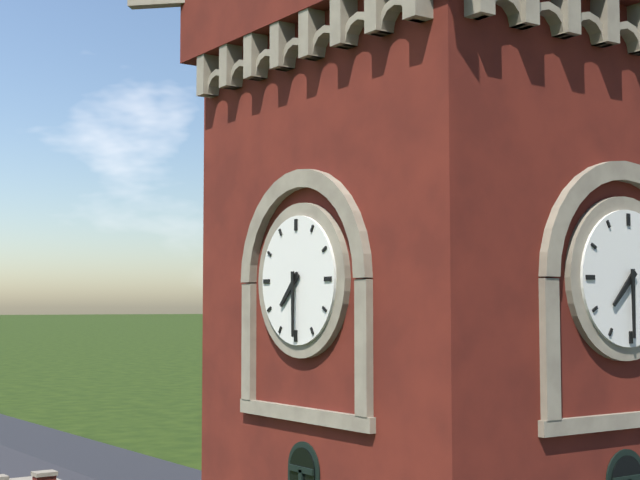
7:30
